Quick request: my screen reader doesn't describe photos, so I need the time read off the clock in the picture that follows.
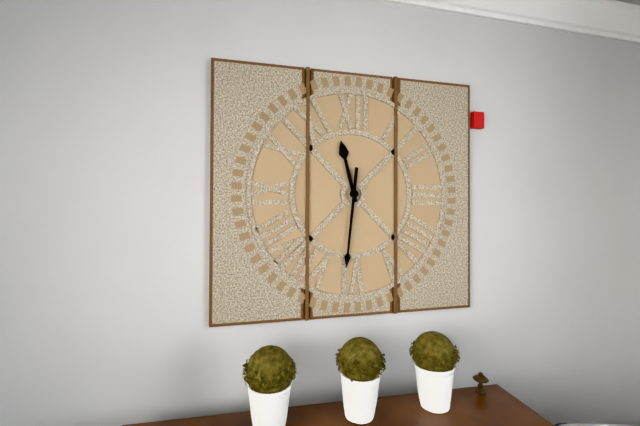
11:31
